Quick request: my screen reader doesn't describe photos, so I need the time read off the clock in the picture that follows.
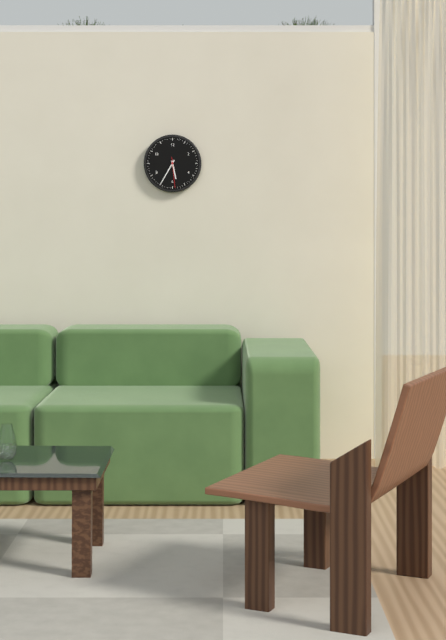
5:35
